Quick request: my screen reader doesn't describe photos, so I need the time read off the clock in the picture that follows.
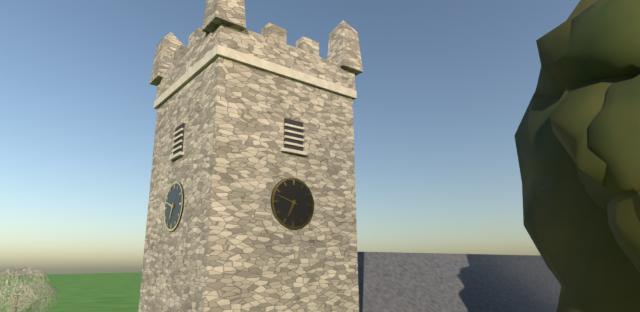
6:48
